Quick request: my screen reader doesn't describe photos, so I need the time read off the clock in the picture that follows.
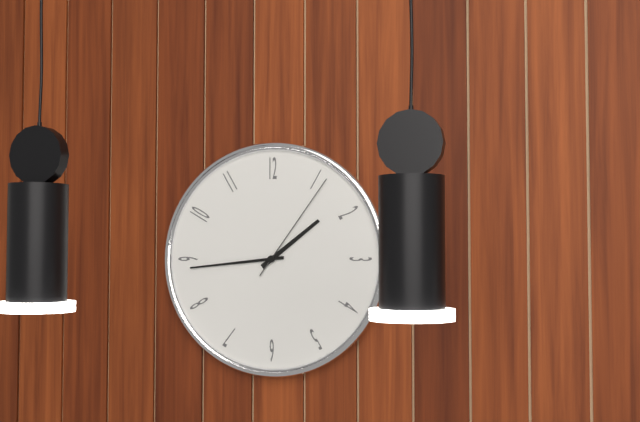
1:44:06
